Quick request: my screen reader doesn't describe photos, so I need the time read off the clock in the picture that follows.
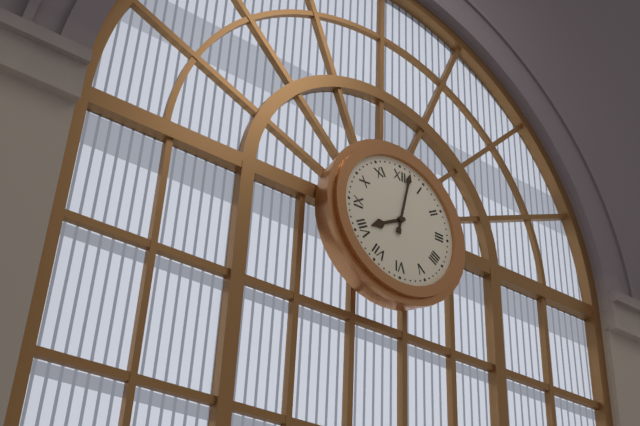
8:02
